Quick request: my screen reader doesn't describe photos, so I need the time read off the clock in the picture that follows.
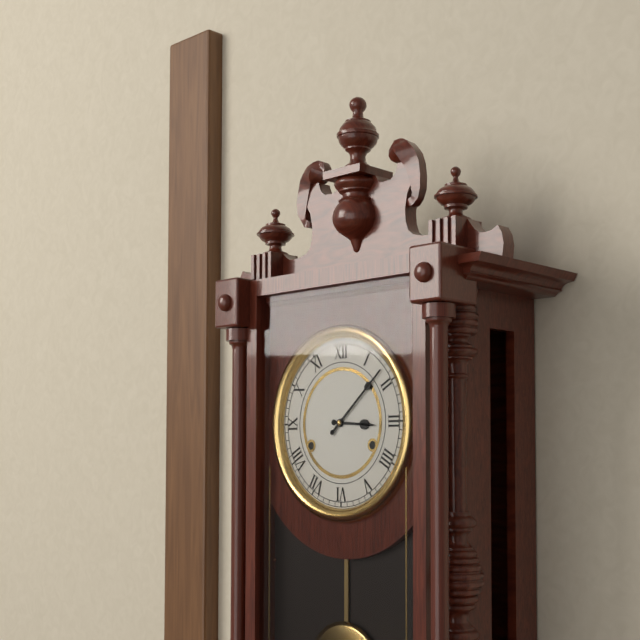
3:08
